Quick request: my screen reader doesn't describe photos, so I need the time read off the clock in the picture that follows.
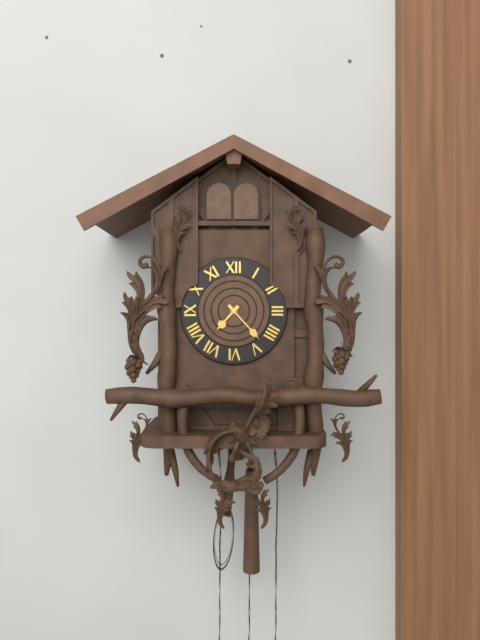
7:23
